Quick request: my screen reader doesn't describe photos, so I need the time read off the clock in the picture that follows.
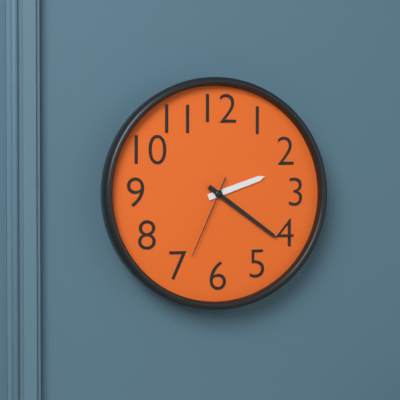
2:21:34
